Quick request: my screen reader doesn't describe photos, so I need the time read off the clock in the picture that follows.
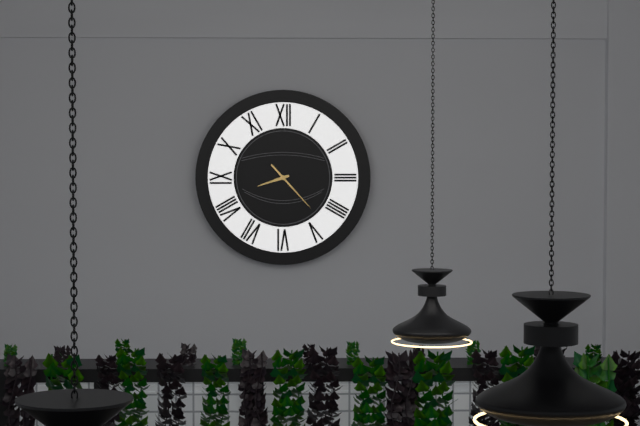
8:23
